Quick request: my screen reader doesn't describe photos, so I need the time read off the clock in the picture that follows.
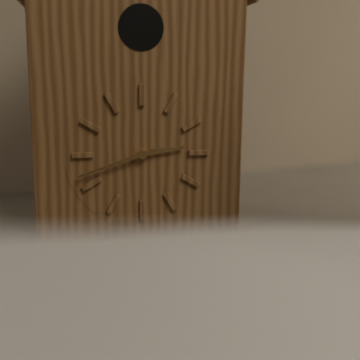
2:42
